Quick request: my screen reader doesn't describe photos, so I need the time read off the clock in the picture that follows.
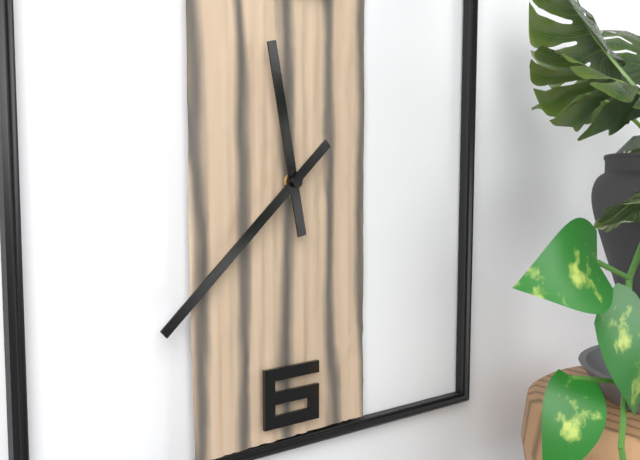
11:38
